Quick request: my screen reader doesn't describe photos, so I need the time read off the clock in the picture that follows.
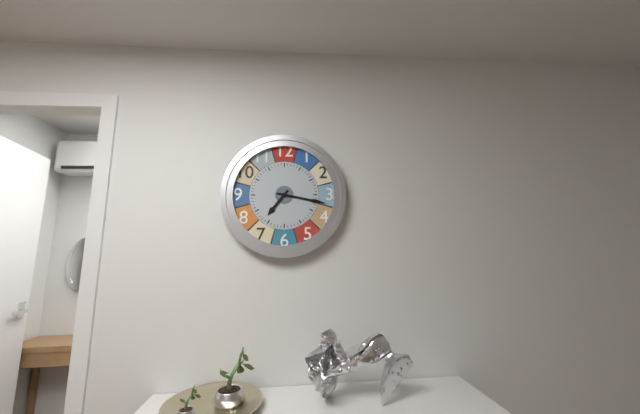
7:17
